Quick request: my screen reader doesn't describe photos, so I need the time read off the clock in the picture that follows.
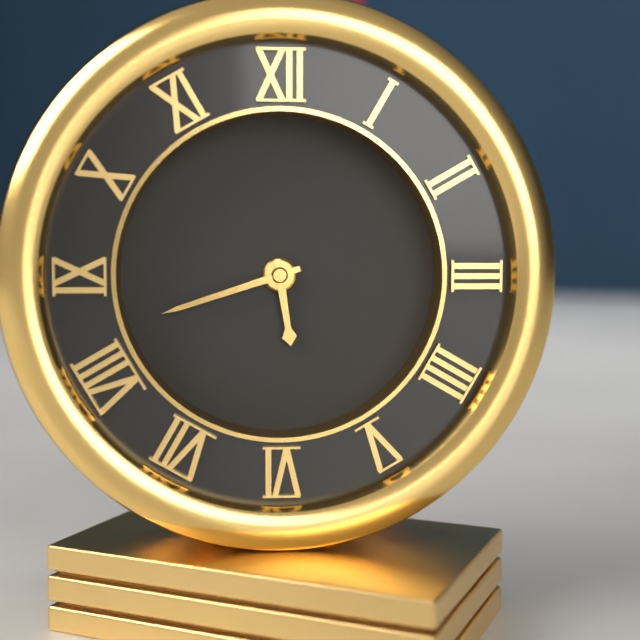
5:42
